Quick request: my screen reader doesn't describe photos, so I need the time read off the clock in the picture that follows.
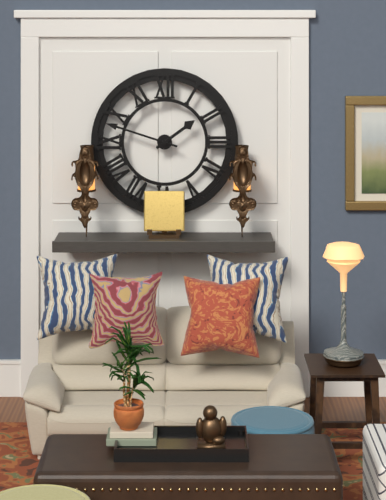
1:48
